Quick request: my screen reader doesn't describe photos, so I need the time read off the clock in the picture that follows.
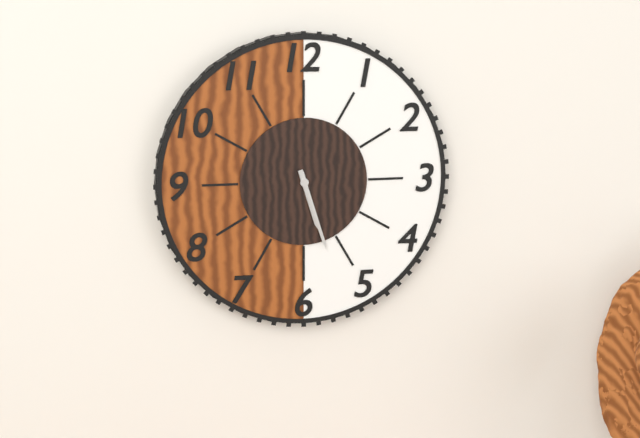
5:27
